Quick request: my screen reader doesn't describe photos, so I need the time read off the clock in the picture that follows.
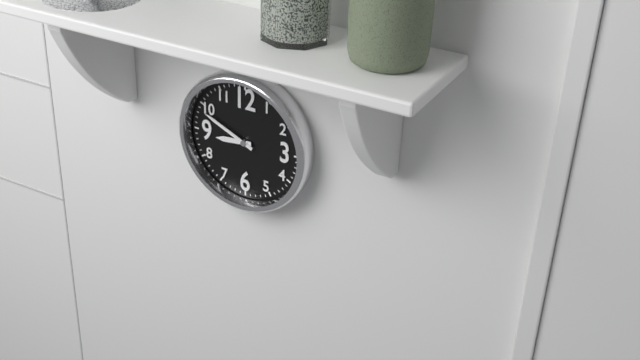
8:49
